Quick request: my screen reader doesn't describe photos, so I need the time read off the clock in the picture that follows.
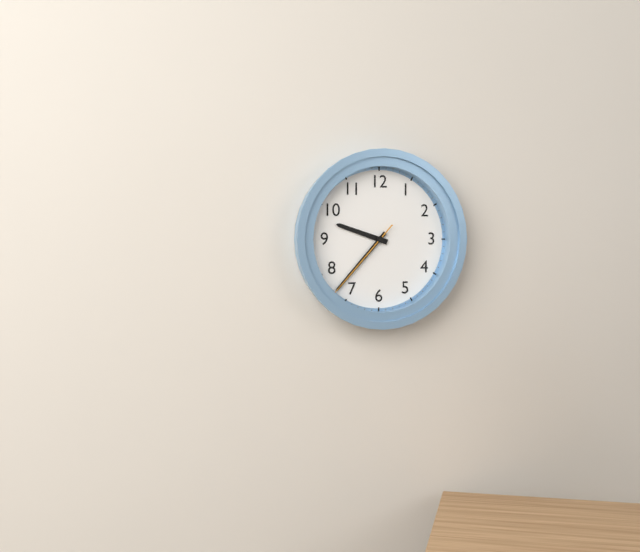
9:37:37
